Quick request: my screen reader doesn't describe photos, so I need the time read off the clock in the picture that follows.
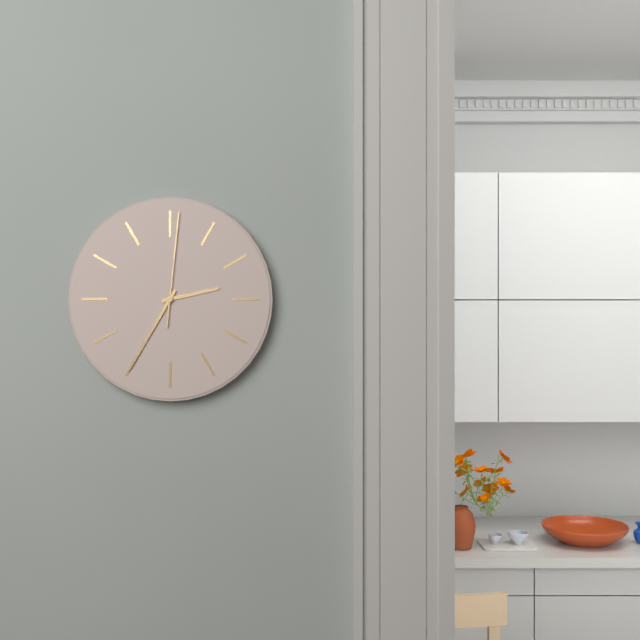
2:35:01
